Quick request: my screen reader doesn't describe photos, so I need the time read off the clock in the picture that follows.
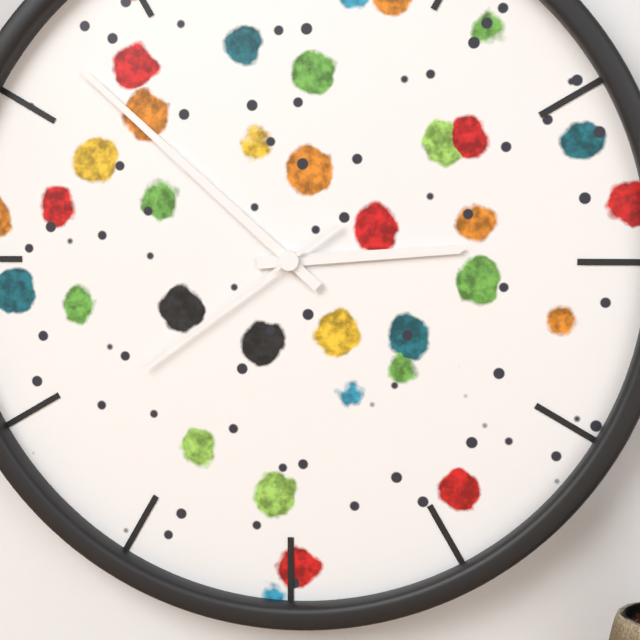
2:52:39
